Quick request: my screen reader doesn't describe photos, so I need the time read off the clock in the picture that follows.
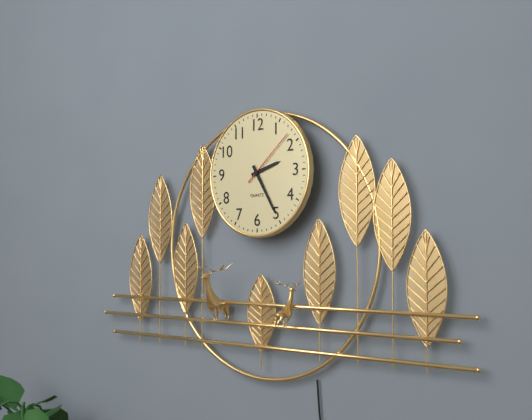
2:25:08
